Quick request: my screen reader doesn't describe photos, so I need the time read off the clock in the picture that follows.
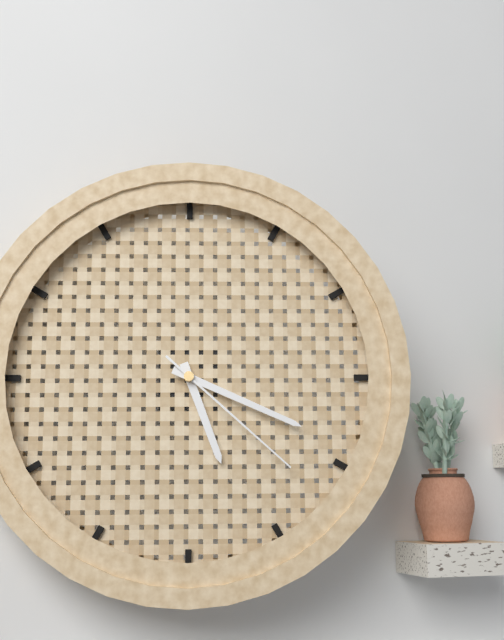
5:19:22
